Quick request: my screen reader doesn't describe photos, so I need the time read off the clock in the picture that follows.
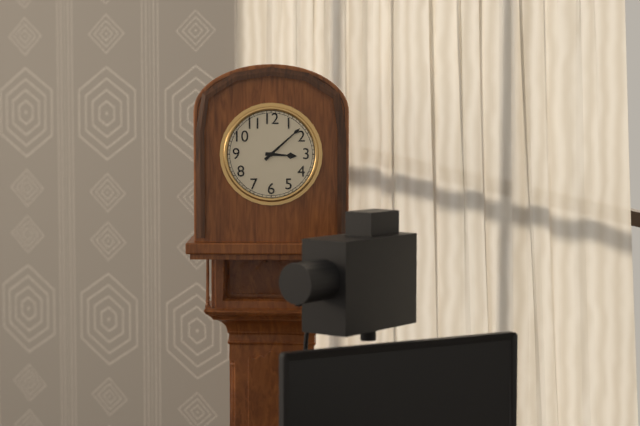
3:08
